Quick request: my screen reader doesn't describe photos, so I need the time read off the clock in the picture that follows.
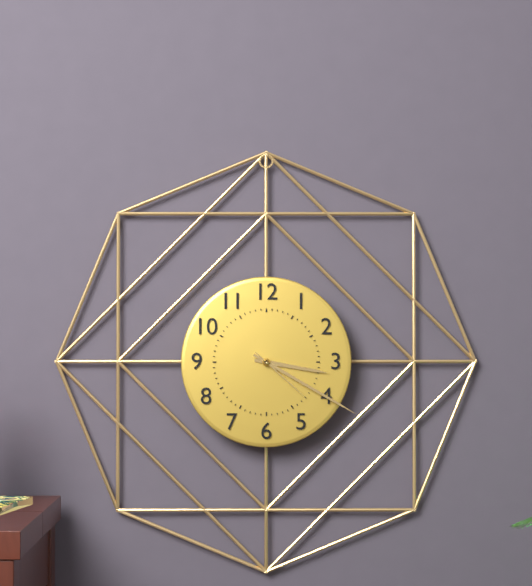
3:20:22
